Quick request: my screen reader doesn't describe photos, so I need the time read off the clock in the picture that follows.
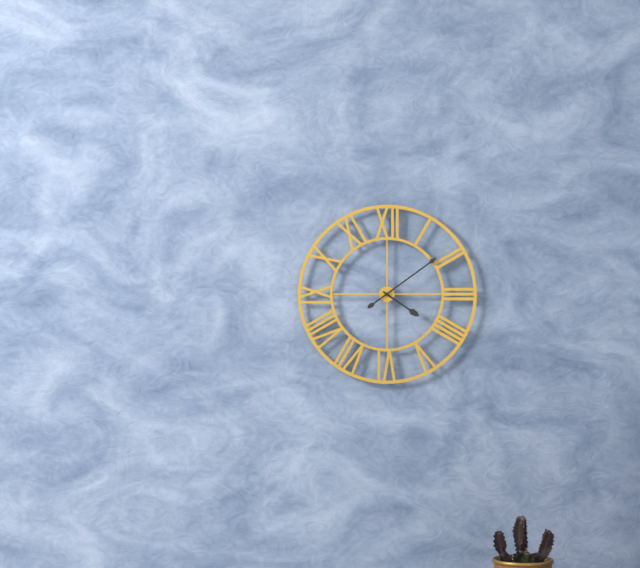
4:09
